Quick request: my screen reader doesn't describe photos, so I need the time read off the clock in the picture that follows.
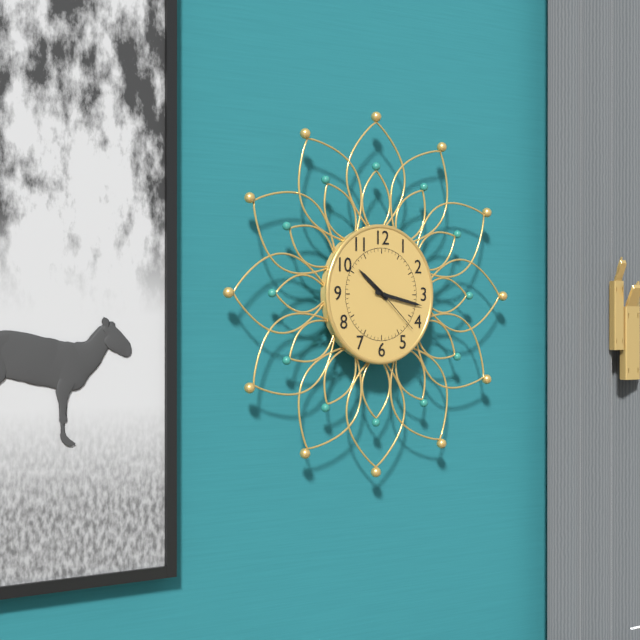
10:17:22
